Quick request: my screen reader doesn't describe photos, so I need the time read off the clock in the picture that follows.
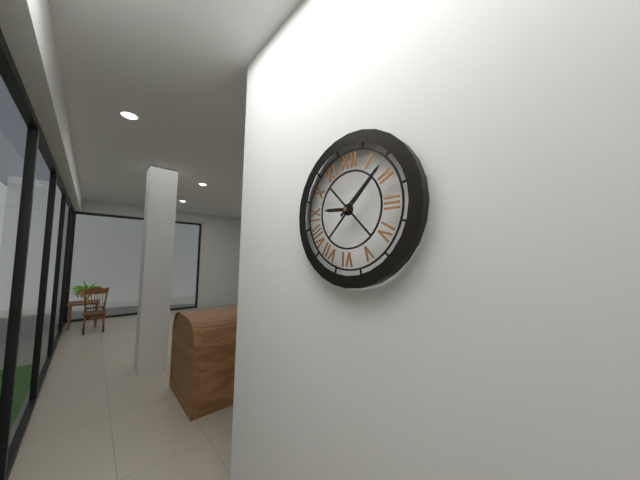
9:08
